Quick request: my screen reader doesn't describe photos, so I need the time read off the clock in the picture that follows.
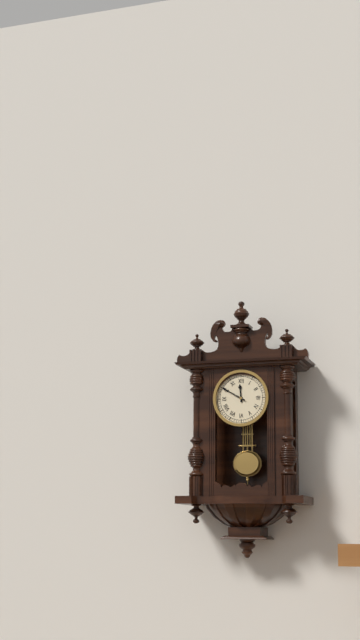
11:50
